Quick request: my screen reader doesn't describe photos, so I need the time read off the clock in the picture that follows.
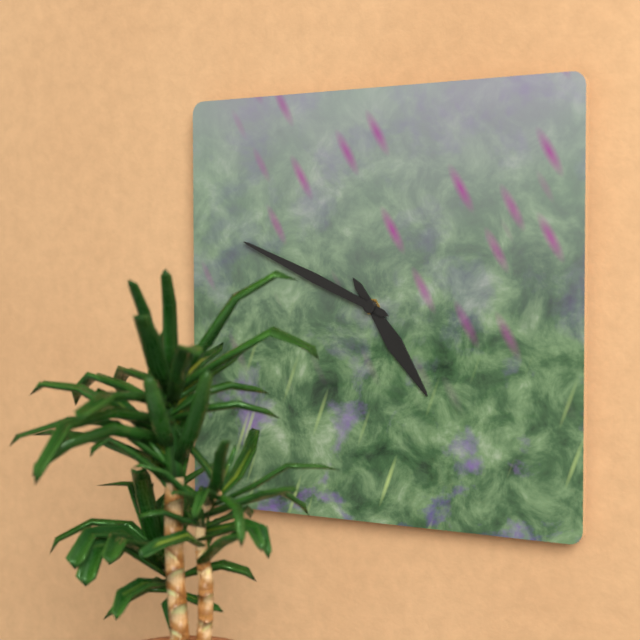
4:49
